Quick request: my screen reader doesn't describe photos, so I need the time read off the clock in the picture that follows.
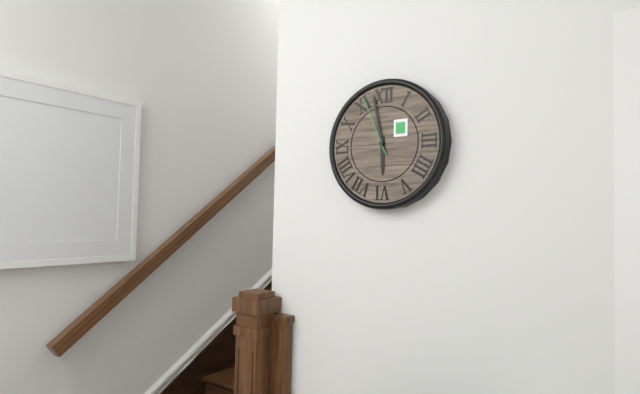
5:58:56
